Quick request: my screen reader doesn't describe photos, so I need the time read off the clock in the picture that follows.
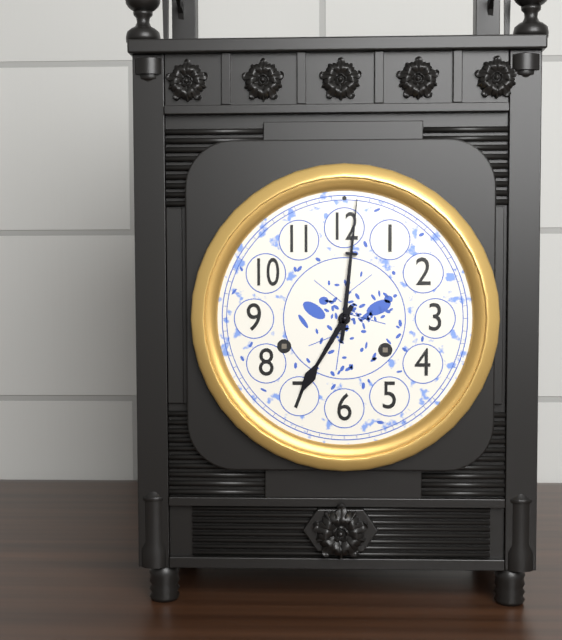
7:01
